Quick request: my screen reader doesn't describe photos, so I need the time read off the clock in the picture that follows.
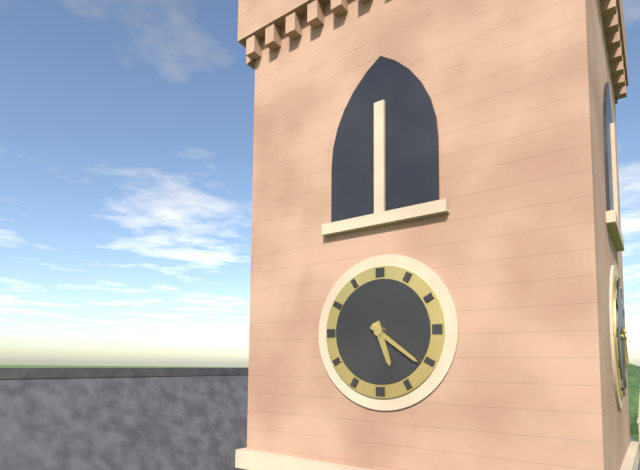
5:21
